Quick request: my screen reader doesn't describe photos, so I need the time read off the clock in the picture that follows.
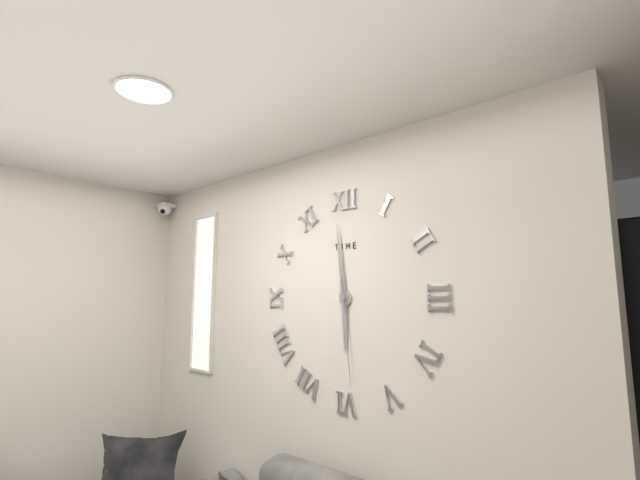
5:59:29
